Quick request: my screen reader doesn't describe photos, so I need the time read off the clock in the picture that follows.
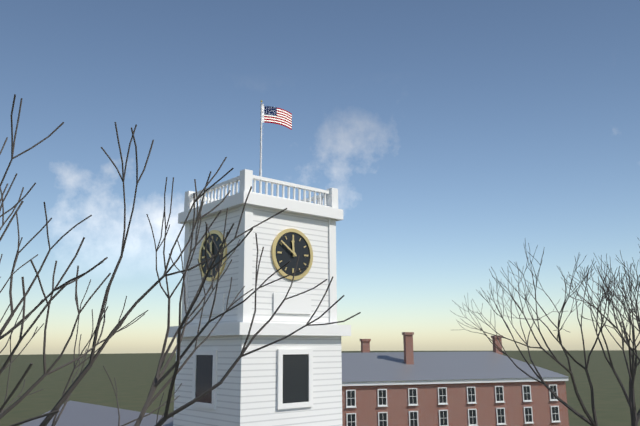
11:51
